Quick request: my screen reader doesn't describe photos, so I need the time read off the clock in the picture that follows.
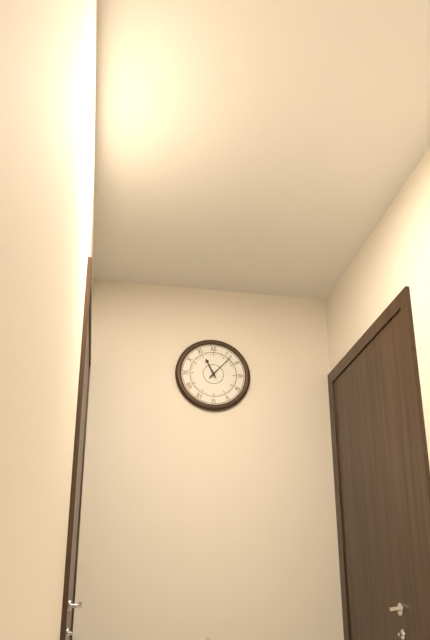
11:07
